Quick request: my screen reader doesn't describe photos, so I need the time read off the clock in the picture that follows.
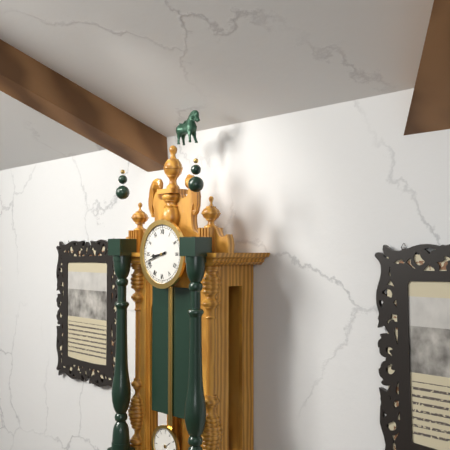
8:42
